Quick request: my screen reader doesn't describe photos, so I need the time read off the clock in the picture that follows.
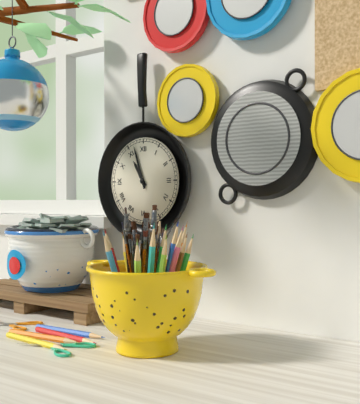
10:57
